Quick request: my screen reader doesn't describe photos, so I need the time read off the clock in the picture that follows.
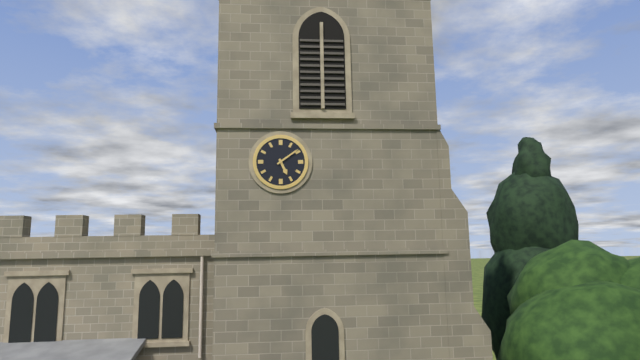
5:09
